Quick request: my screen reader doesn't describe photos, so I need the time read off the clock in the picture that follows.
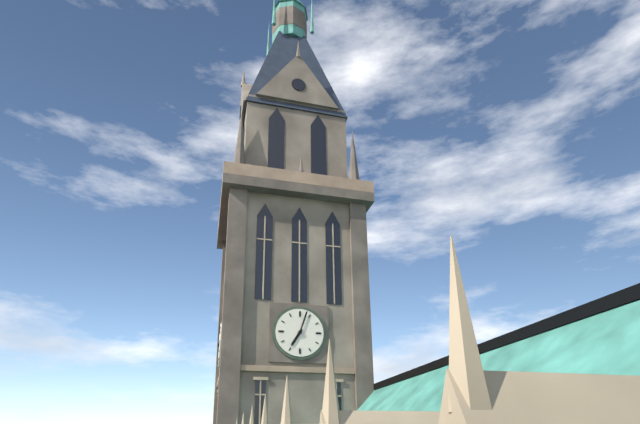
7:03
